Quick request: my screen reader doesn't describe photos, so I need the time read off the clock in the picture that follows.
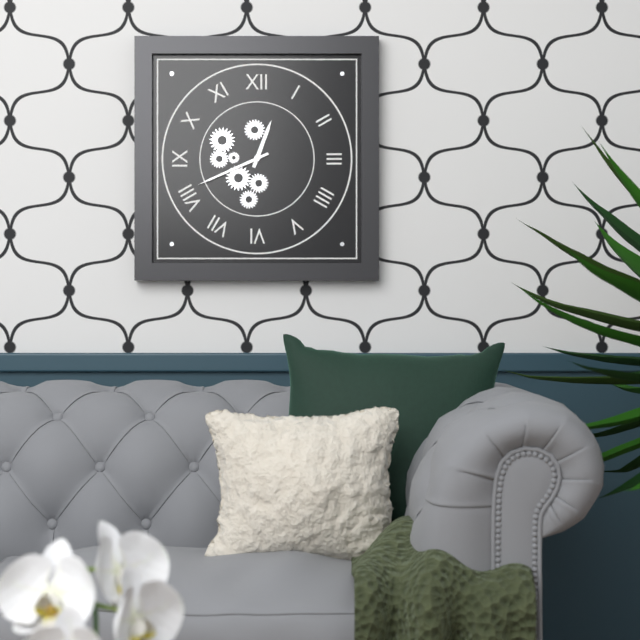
12:41
